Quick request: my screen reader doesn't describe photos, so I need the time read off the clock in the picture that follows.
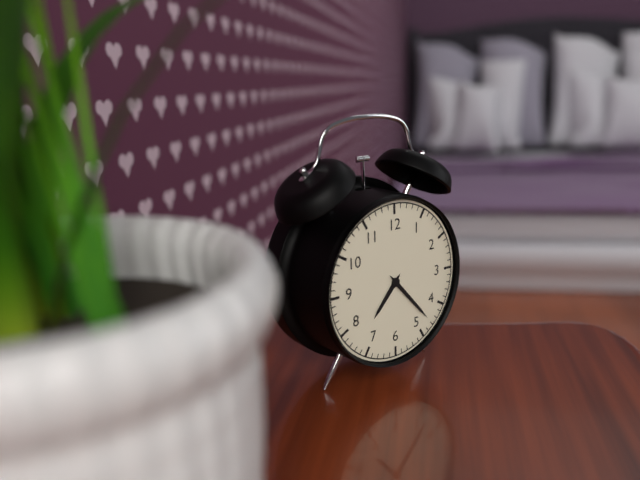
7:23
